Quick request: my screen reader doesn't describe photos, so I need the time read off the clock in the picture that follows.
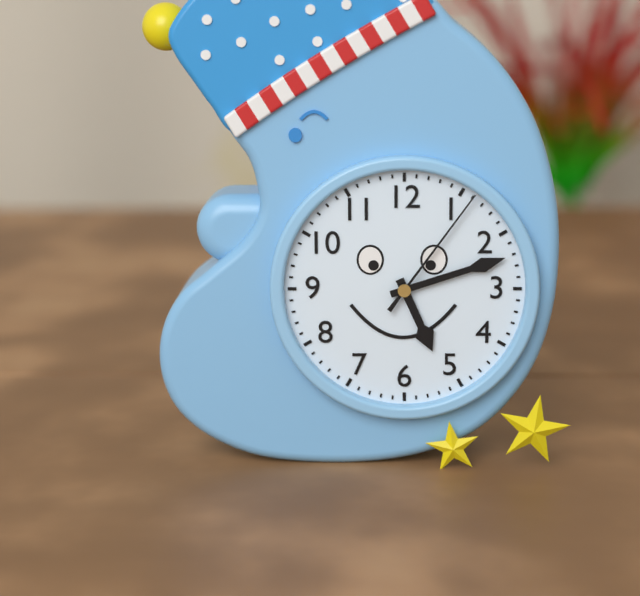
5:12:06
